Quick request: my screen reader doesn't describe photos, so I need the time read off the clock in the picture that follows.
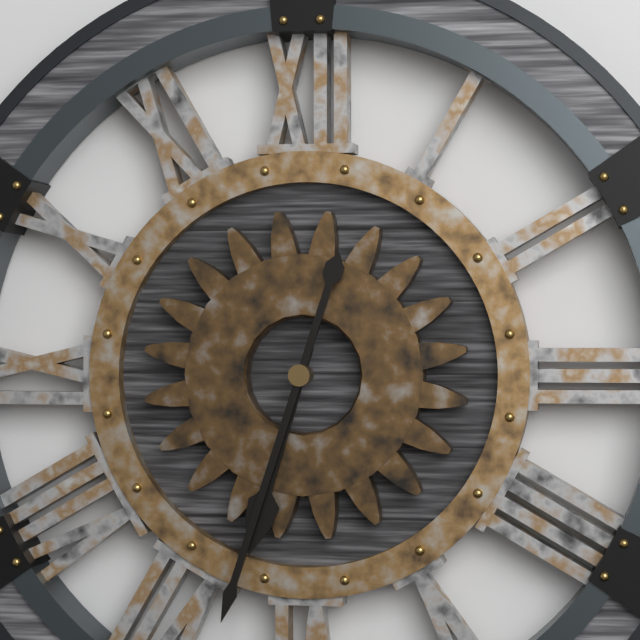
6:33
